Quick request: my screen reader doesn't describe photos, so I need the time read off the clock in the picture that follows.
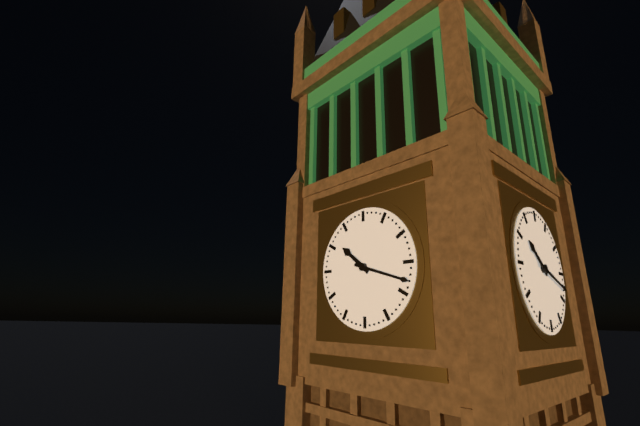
10:18
